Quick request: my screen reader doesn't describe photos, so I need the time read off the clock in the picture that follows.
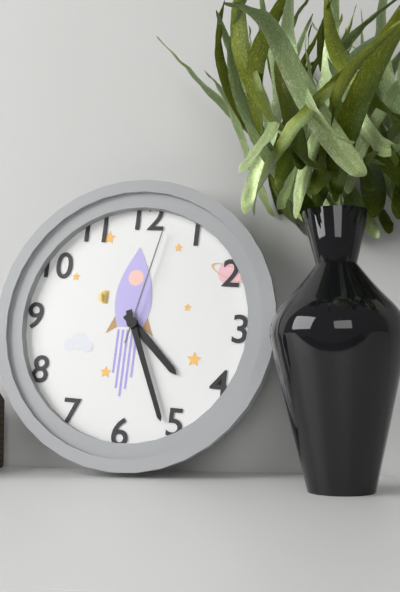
4:26:02
